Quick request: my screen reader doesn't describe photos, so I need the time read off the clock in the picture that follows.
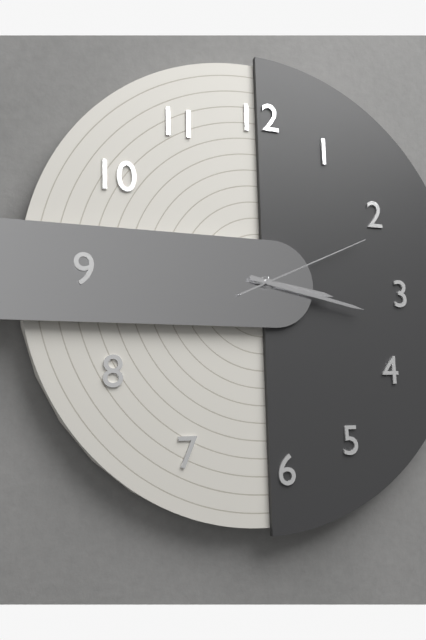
3:17:11
